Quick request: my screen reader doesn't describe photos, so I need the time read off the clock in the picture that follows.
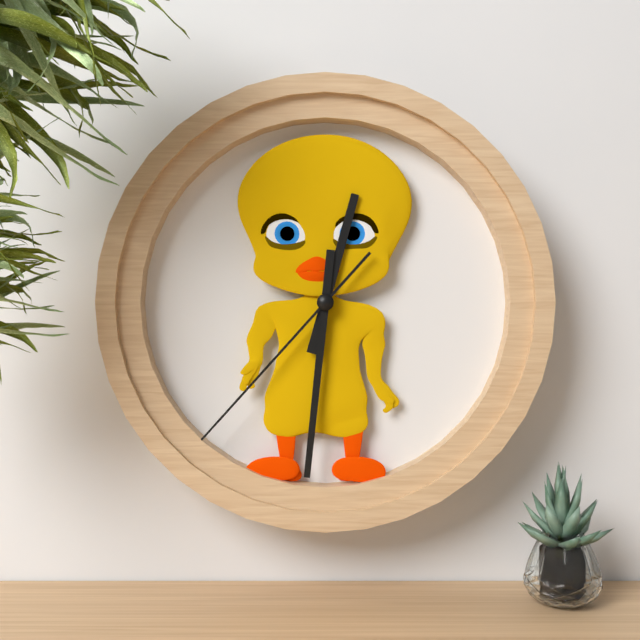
12:31:37
